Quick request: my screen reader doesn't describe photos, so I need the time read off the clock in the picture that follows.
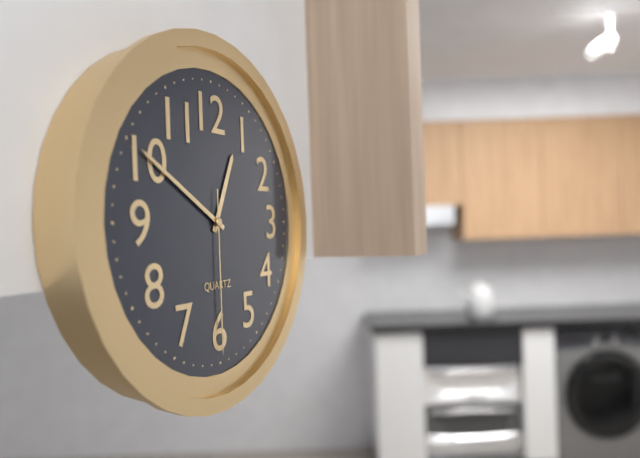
12:50:30
